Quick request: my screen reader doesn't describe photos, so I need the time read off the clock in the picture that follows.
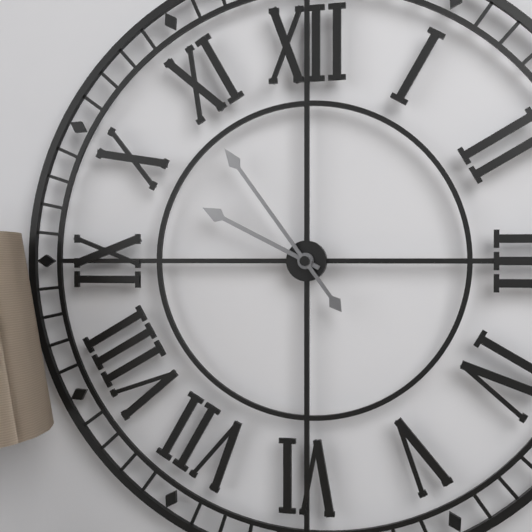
9:54
